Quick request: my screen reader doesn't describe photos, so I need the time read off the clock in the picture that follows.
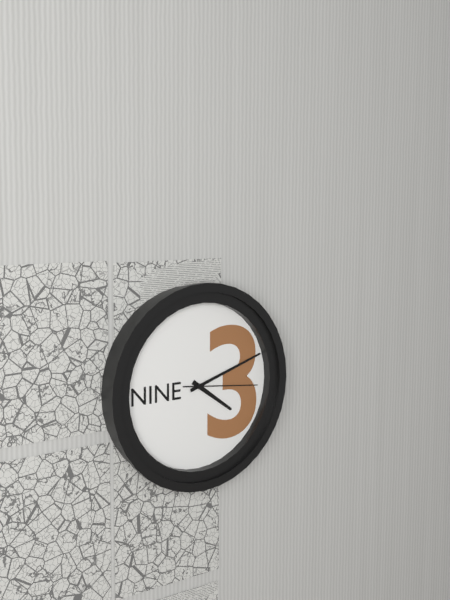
4:12:16
